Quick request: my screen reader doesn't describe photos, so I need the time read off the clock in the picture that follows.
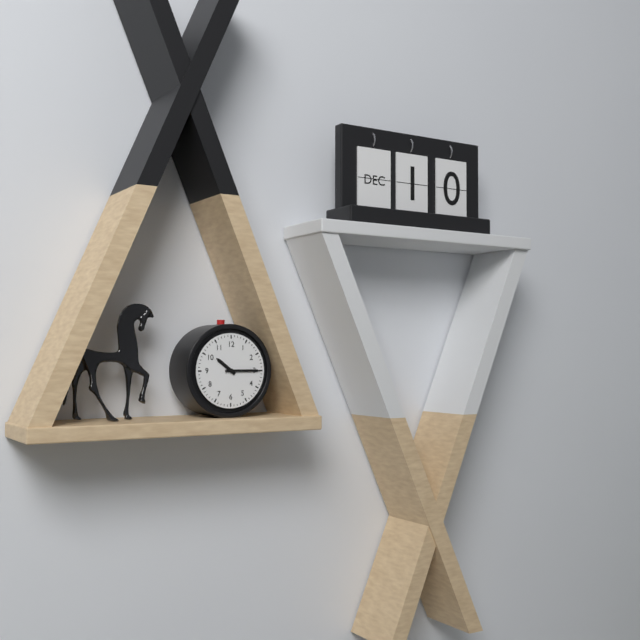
10:15
